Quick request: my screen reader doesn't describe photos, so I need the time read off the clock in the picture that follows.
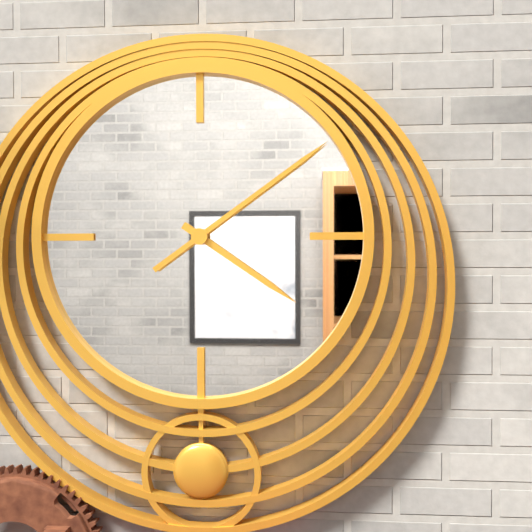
4:09
